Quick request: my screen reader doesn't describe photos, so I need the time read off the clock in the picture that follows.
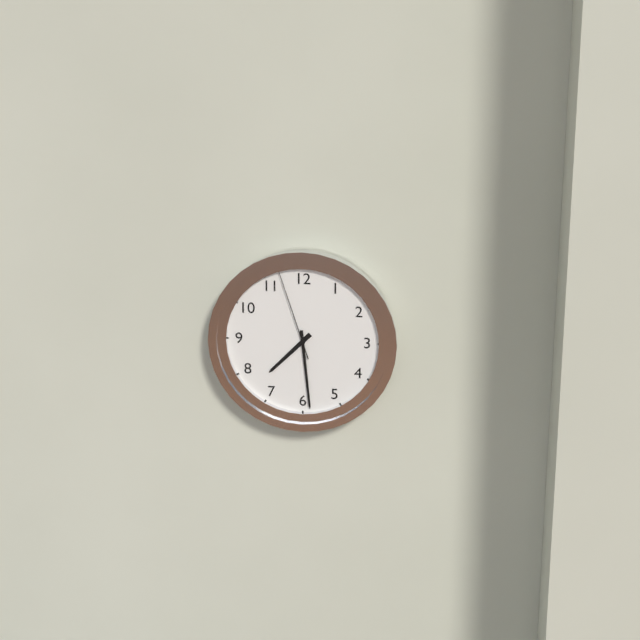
7:29:57
